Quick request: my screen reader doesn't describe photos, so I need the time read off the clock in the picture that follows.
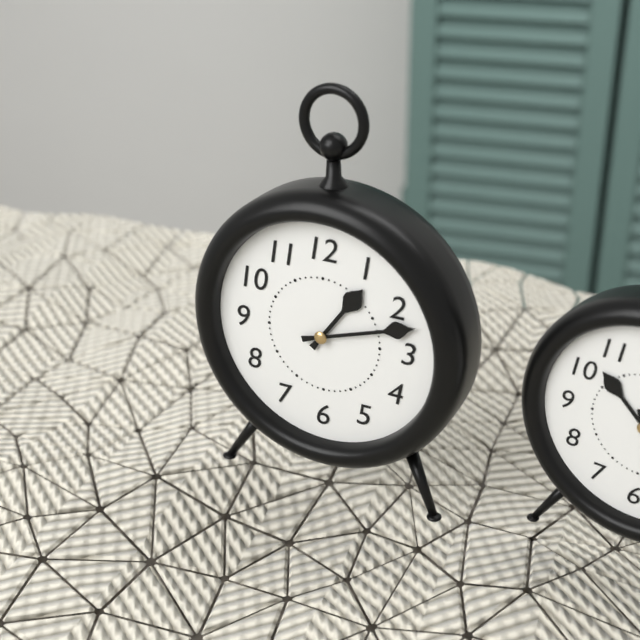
1:12
